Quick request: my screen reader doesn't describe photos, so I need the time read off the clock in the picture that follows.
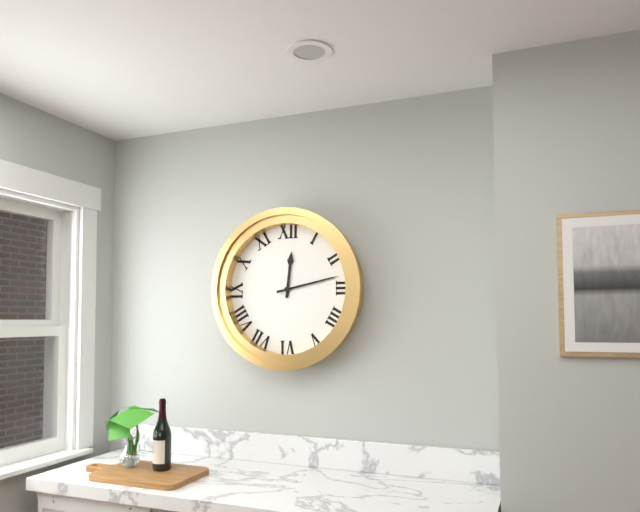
12:13
